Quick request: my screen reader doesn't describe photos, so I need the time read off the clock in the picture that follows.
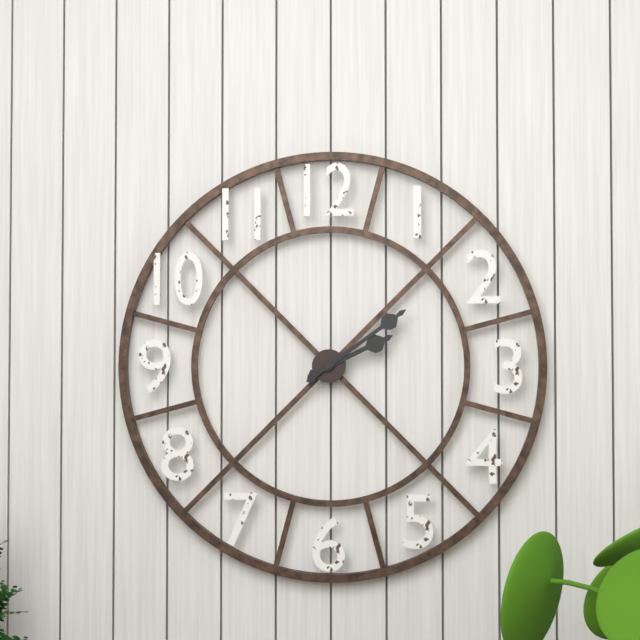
2:09
